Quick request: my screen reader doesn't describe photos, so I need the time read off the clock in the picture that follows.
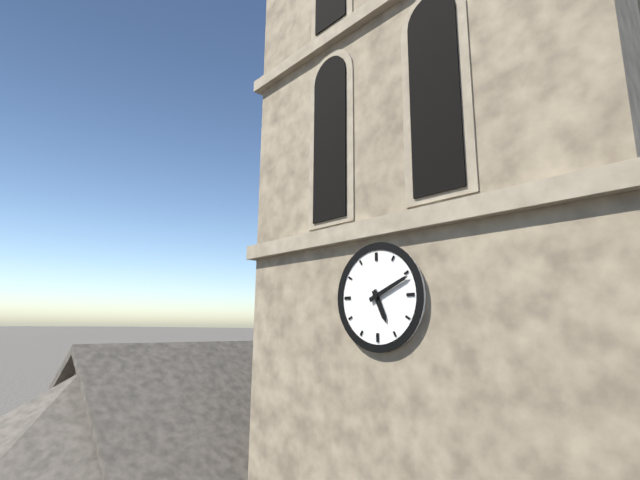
5:11
